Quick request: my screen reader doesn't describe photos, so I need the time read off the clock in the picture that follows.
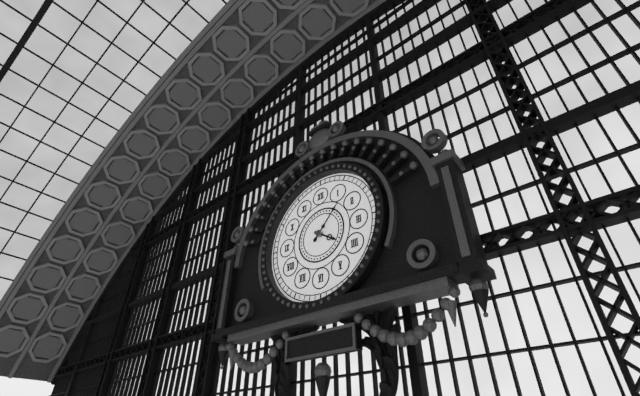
4:07
